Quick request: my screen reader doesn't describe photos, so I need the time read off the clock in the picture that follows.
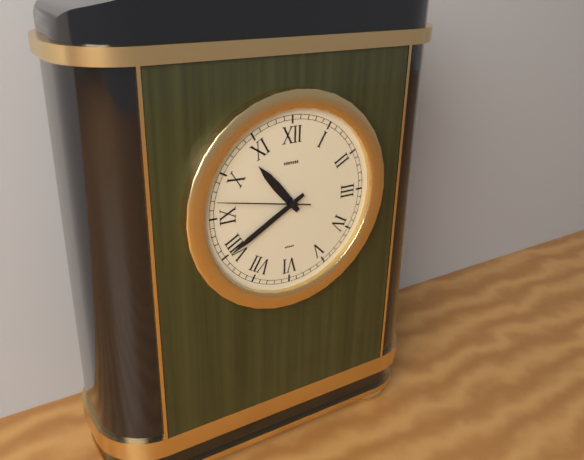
10:40:47
